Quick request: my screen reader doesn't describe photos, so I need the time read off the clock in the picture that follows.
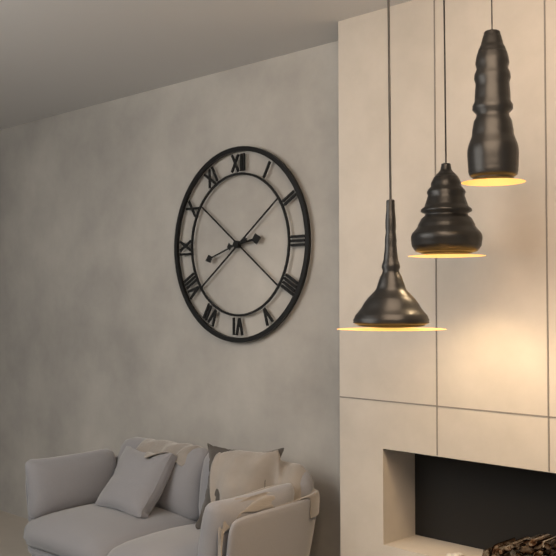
2:42
